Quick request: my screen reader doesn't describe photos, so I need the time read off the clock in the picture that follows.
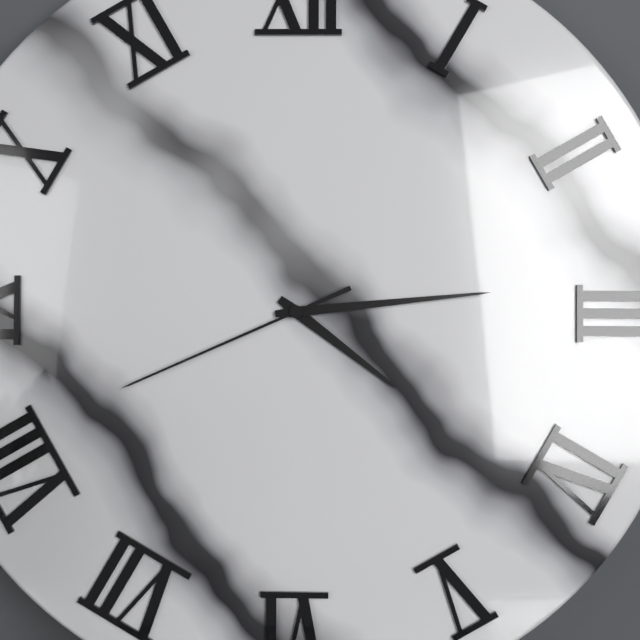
4:14:41
